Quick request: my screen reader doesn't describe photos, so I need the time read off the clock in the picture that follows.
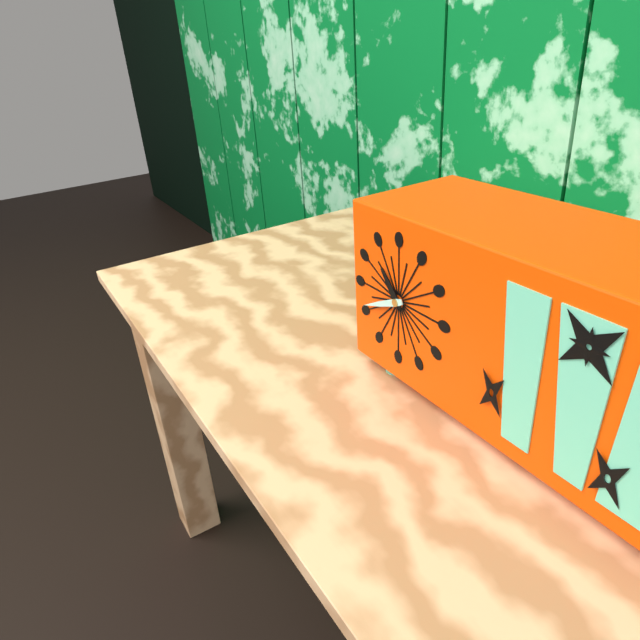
10:41
